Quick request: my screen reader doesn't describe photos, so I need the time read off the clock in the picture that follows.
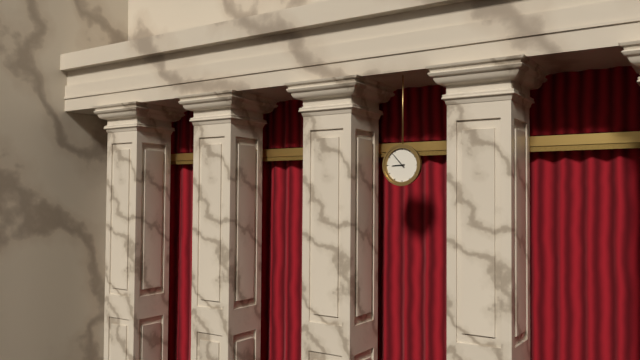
8:53
